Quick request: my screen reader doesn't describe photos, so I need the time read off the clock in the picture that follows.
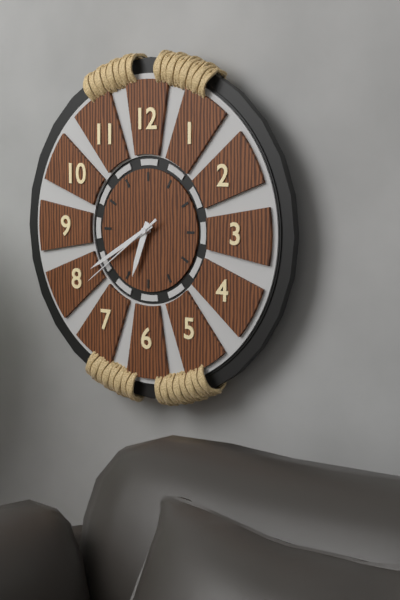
6:40:39
